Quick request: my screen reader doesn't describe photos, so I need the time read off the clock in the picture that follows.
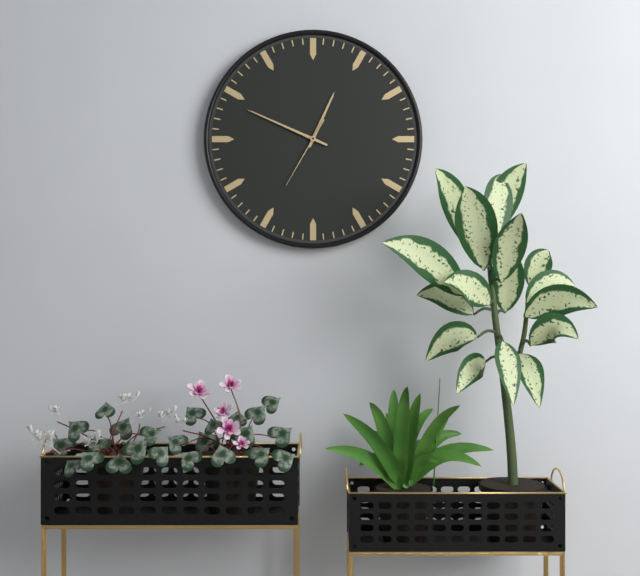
12:49:35
